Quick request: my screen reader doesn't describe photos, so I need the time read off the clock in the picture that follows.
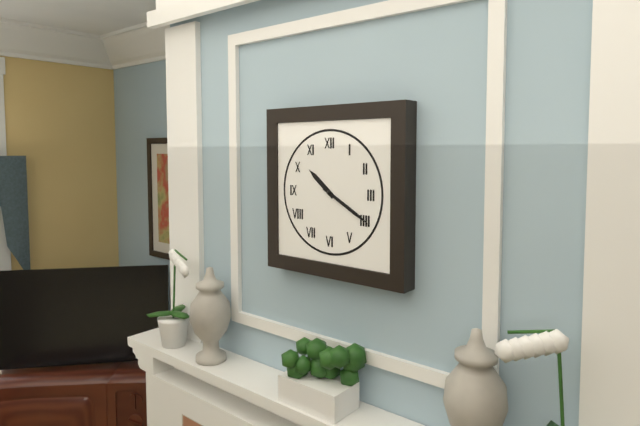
10:20
